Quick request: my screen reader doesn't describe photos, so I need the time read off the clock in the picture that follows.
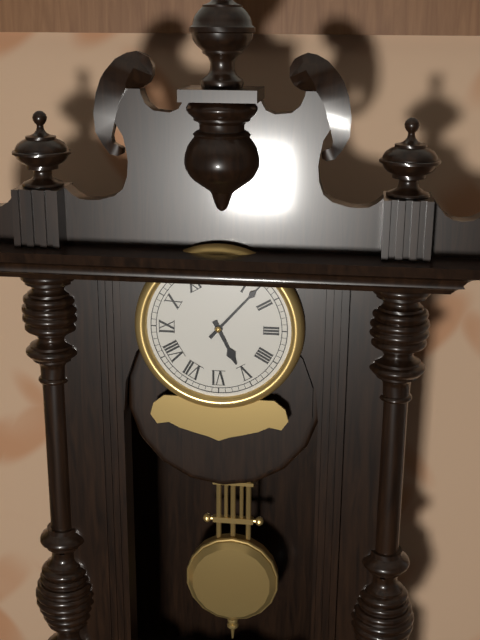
5:07
